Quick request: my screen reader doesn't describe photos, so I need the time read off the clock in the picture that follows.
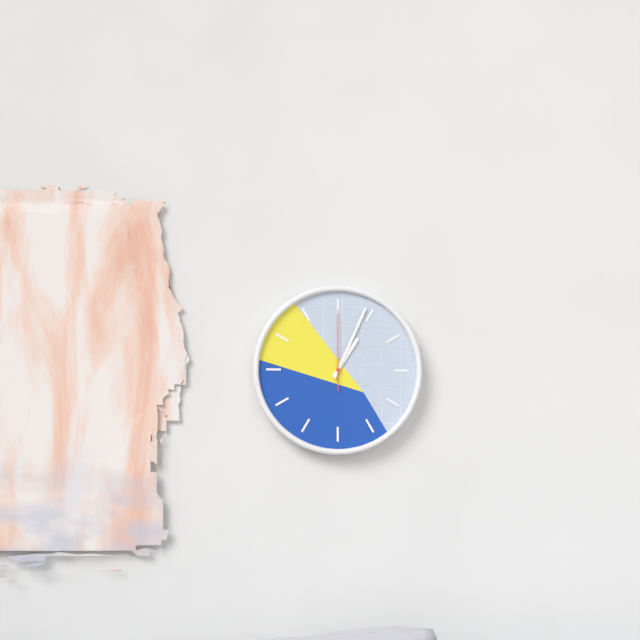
1:04:00
